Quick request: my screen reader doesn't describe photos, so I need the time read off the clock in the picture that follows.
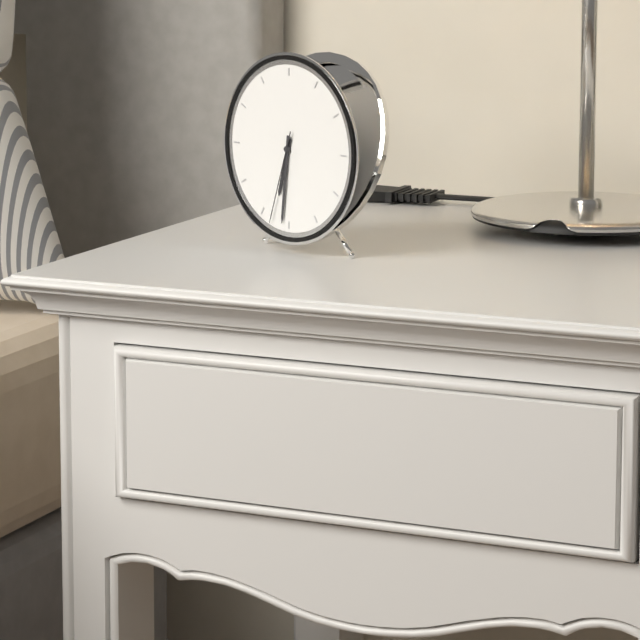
6:31:33
